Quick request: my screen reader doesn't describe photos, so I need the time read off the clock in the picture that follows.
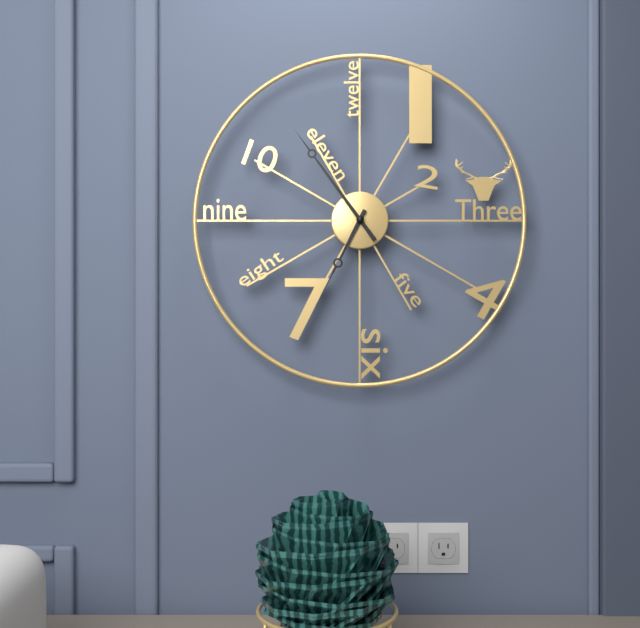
6:54
